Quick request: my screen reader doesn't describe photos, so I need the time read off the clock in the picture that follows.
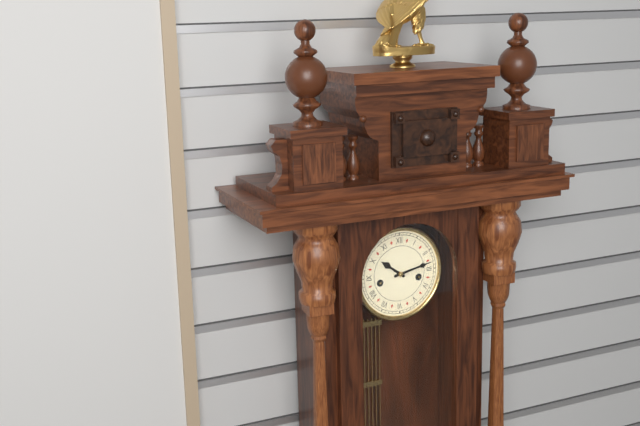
10:13
